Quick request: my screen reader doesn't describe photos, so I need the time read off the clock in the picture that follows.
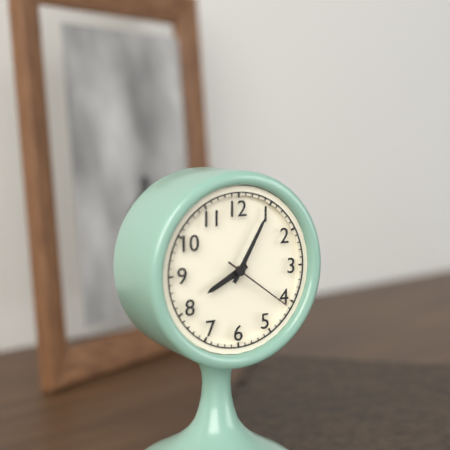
8:05:21
